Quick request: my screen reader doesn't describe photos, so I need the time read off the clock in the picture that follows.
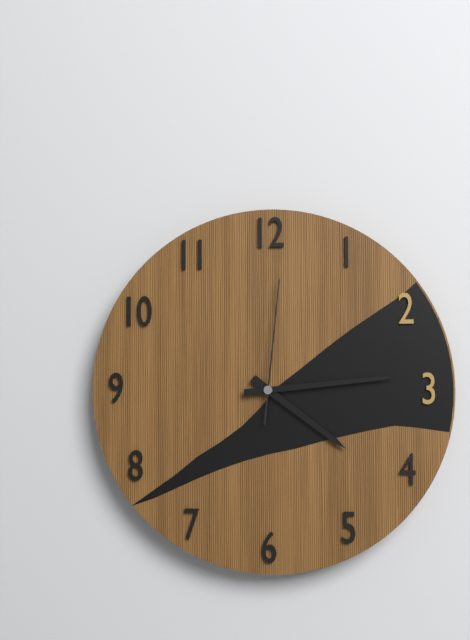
4:14:01
